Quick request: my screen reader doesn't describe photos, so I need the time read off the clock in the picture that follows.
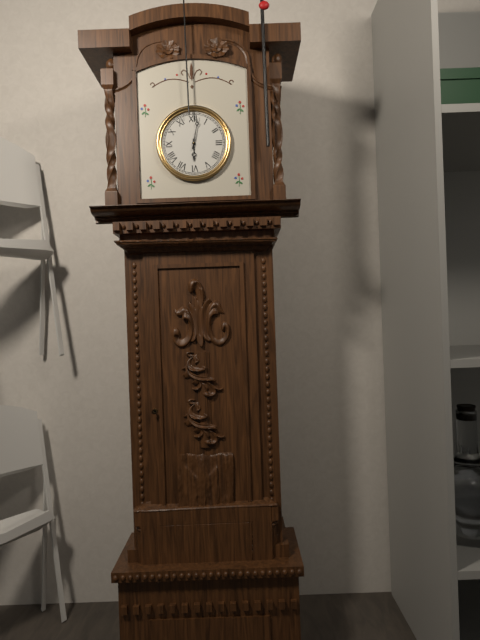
6:02
